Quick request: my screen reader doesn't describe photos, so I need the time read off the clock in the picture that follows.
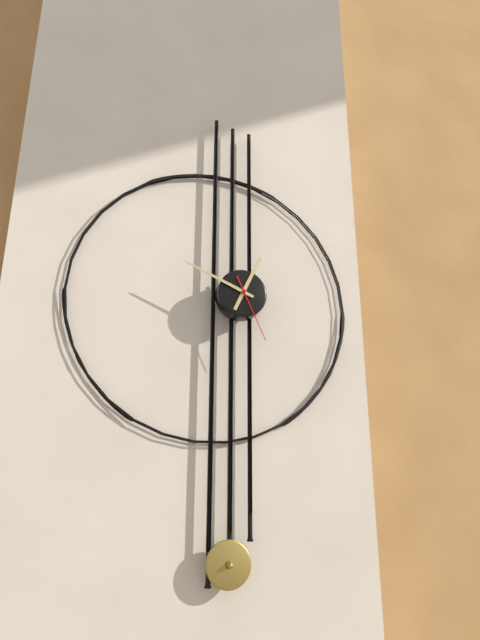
12:49:26
